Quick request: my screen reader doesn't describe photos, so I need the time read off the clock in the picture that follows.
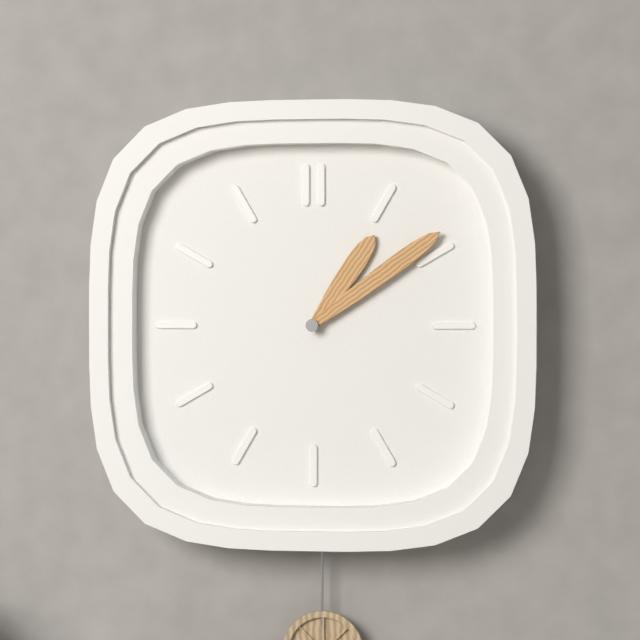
1:09
